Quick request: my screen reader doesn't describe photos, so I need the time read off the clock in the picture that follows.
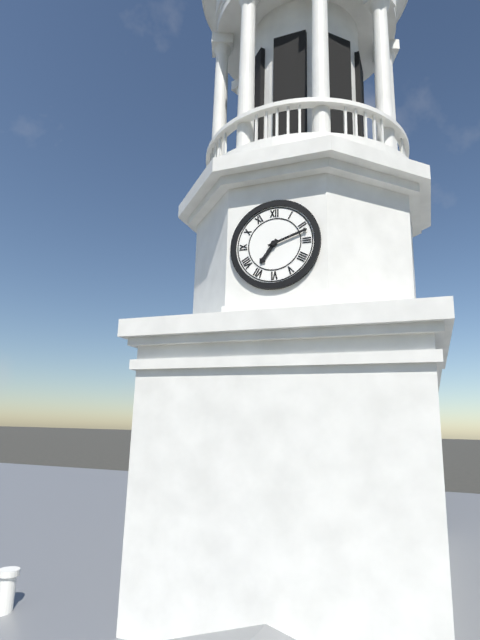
7:12
